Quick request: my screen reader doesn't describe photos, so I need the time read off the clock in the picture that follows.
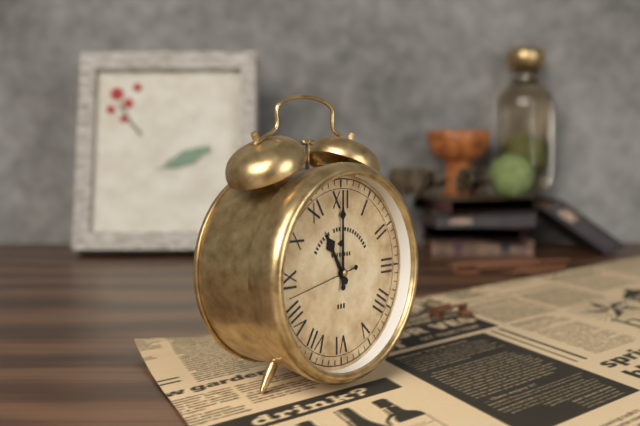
11:00:43
